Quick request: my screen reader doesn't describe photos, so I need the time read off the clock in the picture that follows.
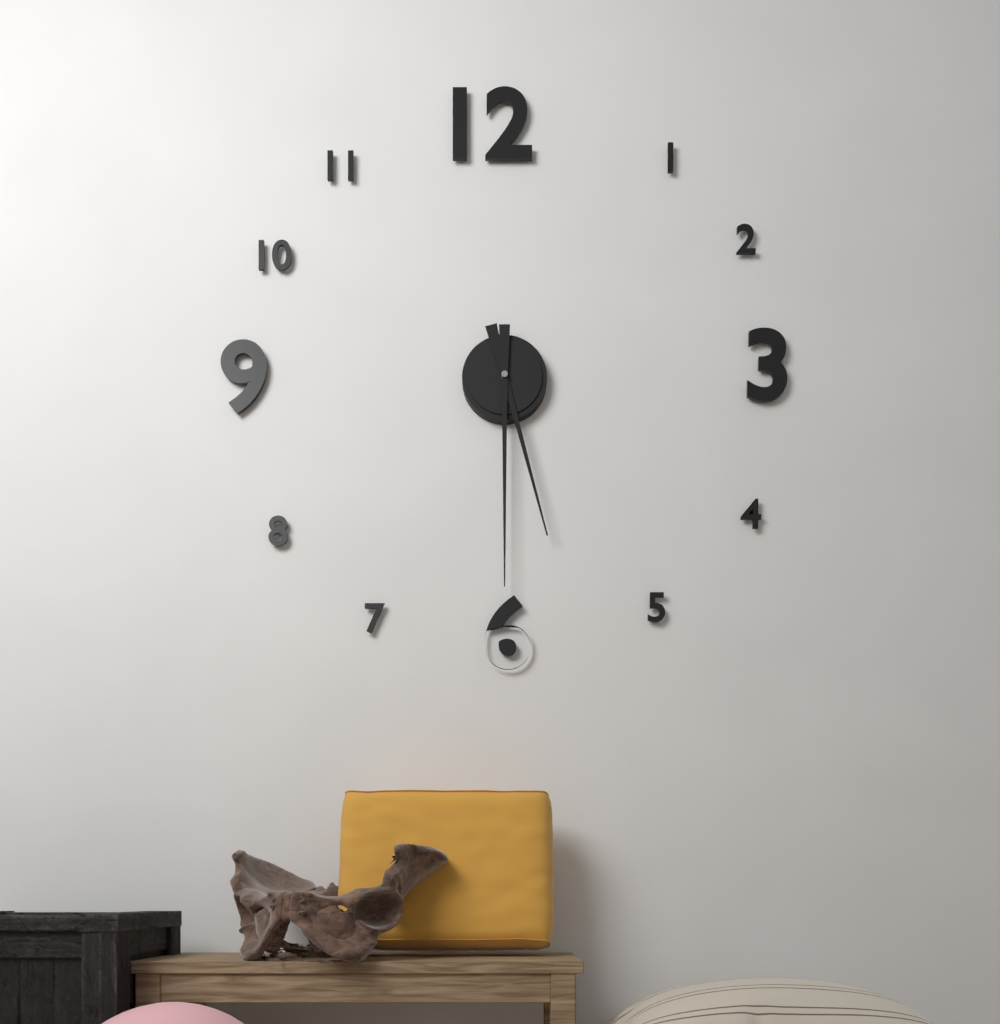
5:30
